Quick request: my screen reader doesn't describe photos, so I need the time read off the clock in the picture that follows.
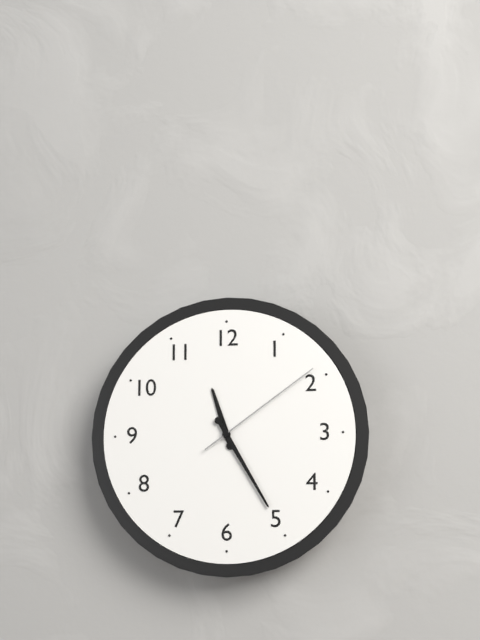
11:25:09
